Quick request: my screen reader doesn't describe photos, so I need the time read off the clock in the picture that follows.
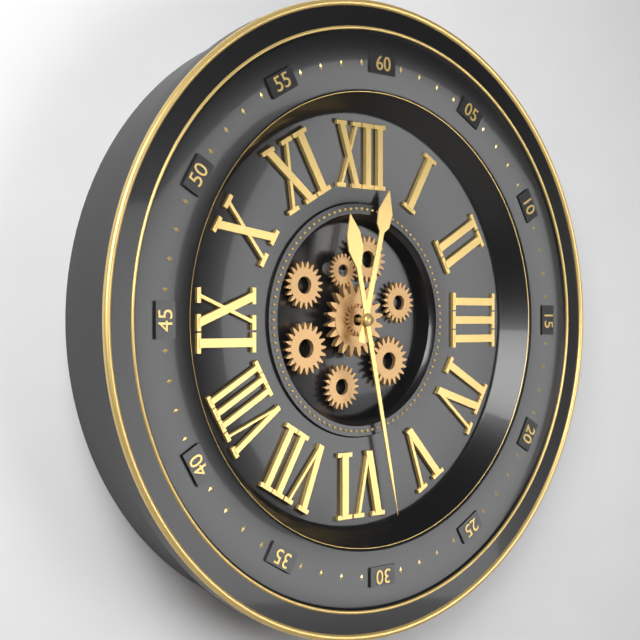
12:28
